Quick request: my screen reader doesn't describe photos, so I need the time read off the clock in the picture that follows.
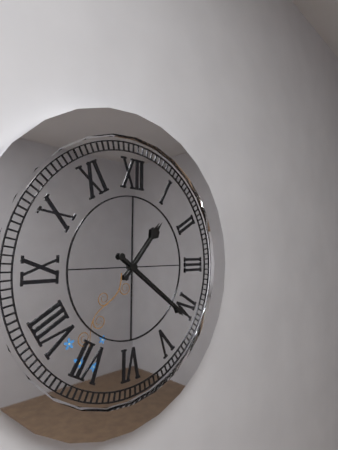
1:21
